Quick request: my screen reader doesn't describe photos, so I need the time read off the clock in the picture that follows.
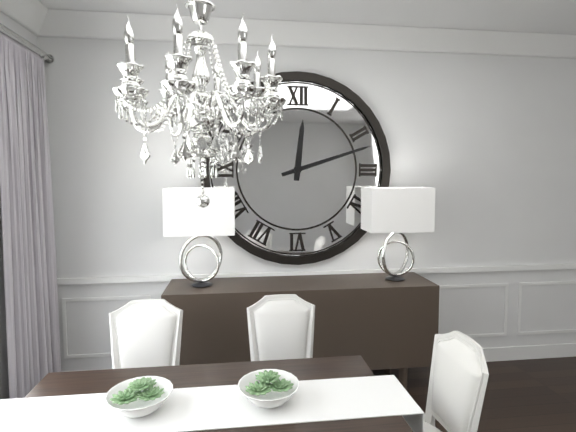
12:12
